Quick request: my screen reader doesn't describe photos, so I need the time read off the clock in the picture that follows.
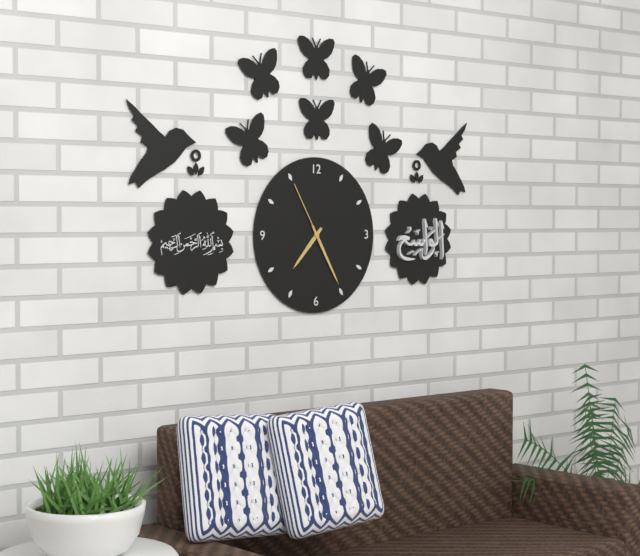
7:25:55
